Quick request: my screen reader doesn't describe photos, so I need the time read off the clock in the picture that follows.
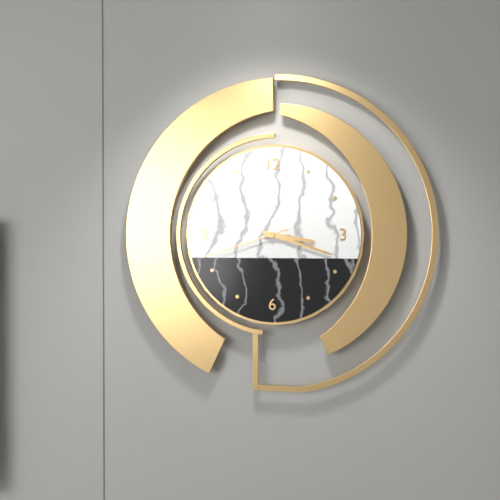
3:18:42
